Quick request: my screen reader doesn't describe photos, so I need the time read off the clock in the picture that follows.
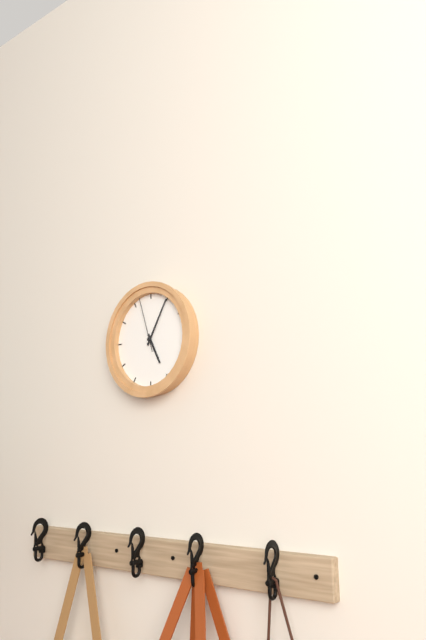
5:05:57
